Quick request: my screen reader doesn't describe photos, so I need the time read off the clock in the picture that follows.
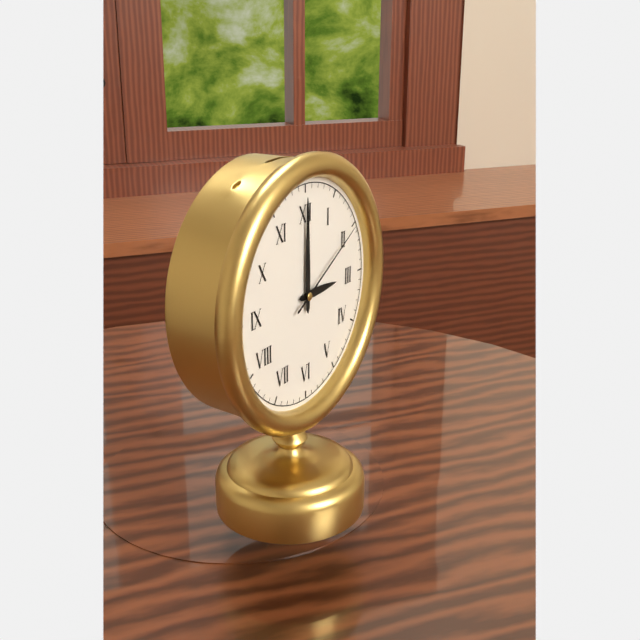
3:00:10
